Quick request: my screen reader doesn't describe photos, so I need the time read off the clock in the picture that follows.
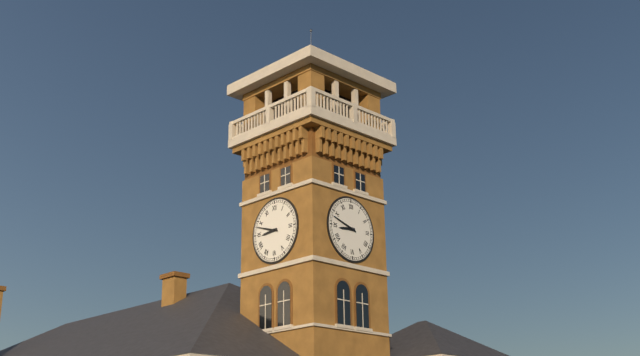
8:48
